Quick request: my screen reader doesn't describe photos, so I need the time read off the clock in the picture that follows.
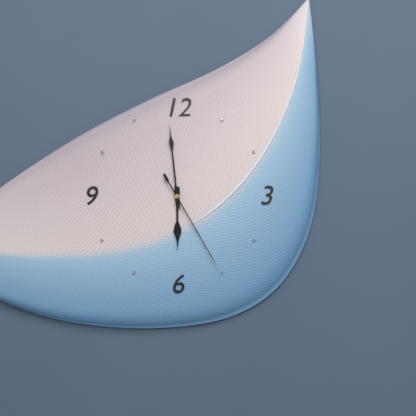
5:59:25
